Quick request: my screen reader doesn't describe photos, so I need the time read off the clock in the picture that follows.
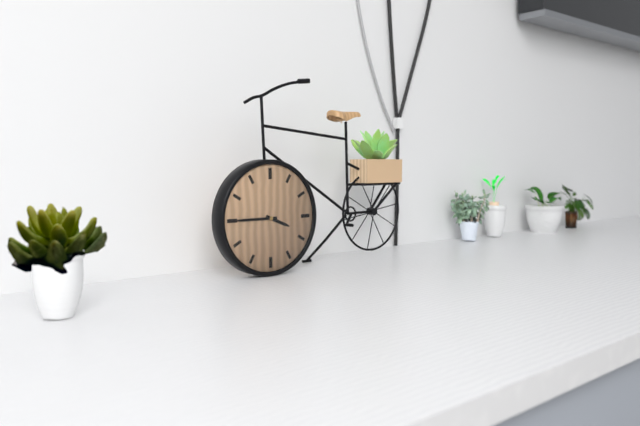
3:45
